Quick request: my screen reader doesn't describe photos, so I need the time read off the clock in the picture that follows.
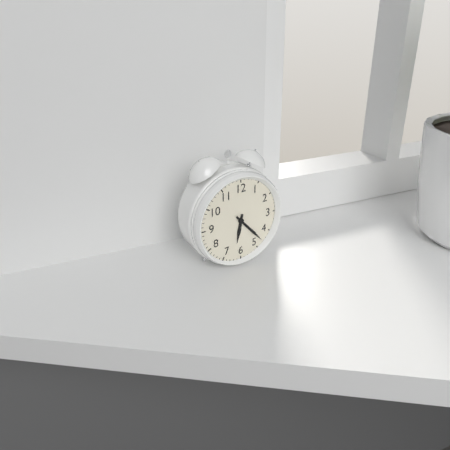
6:23
